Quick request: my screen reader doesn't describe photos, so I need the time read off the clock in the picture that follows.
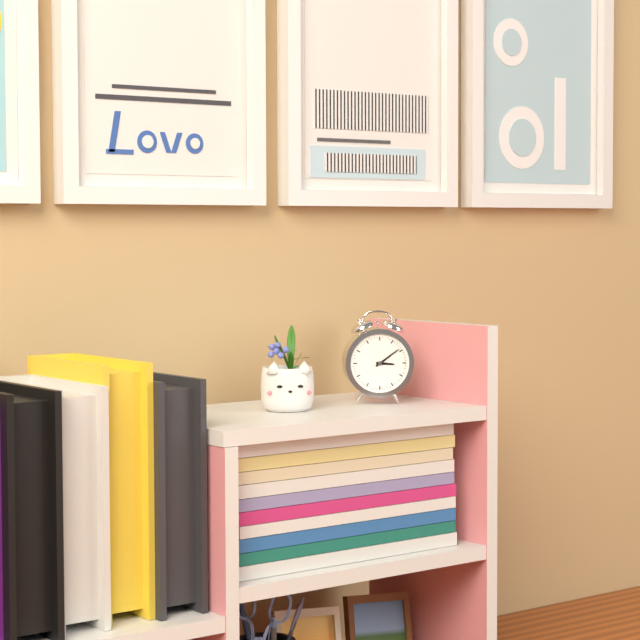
3:09
